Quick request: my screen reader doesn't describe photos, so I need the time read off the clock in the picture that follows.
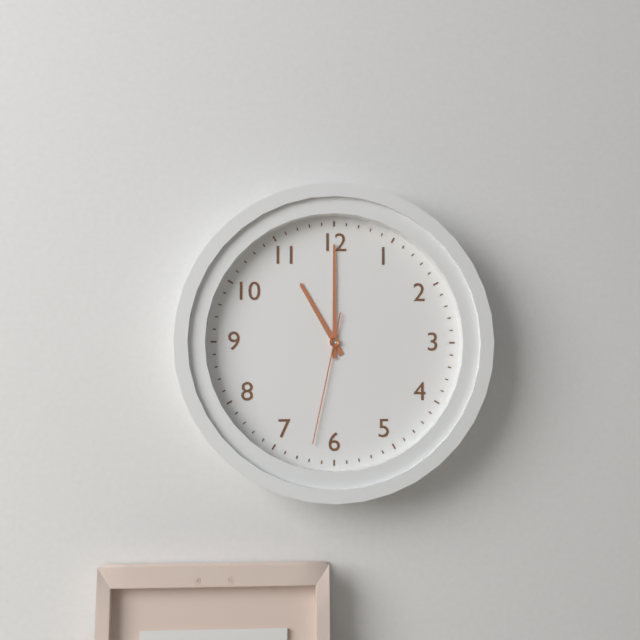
11:00:32
